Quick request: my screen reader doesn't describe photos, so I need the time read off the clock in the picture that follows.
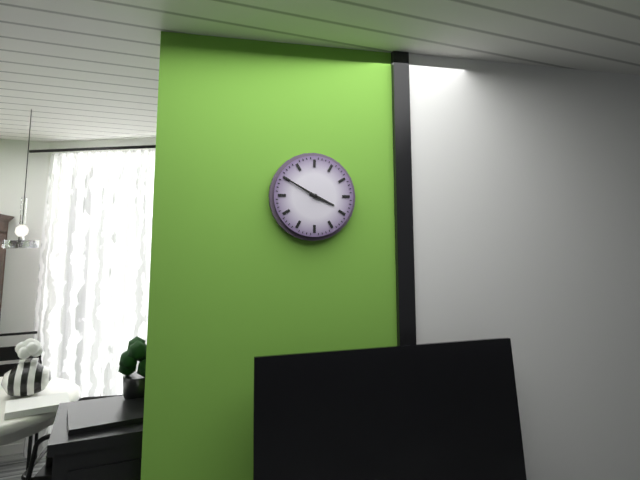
3:50
